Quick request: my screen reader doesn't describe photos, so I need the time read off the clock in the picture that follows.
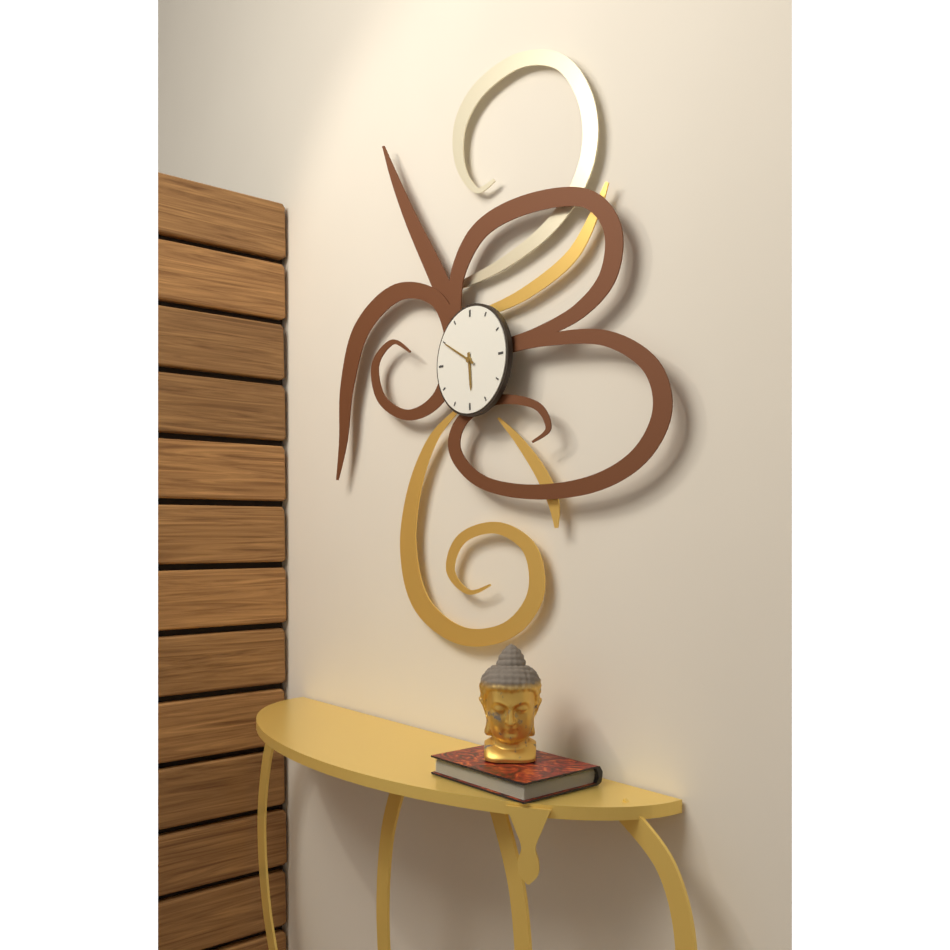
5:50
